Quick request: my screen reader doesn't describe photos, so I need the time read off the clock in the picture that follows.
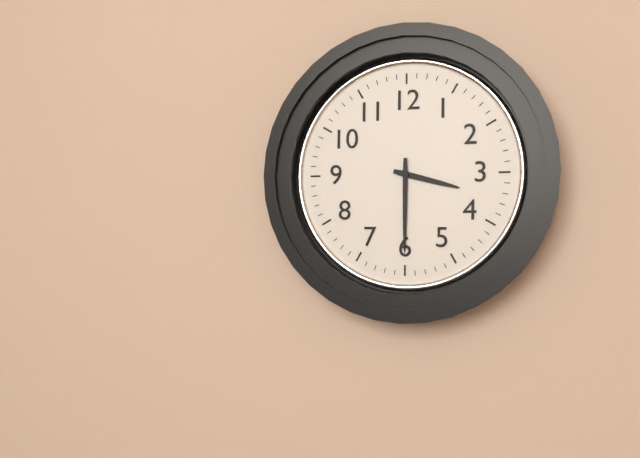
3:30
